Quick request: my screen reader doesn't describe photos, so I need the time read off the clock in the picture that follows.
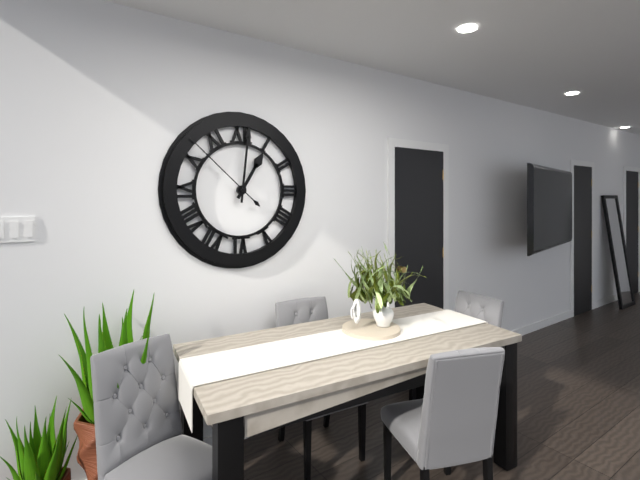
1:01:52
